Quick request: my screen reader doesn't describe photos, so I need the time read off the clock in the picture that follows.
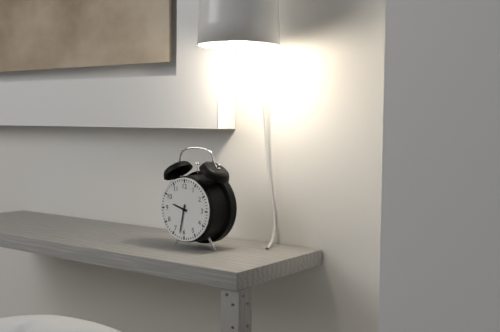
9:32
